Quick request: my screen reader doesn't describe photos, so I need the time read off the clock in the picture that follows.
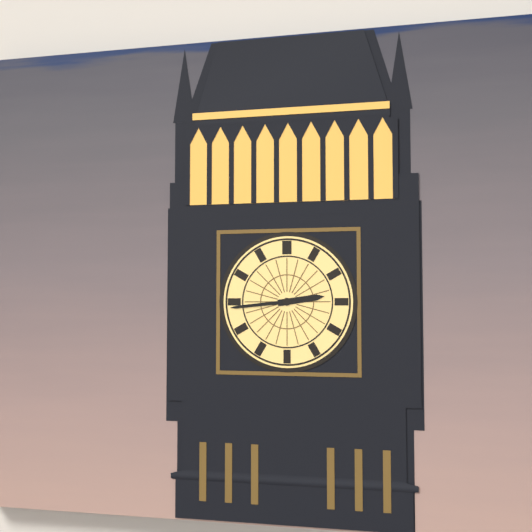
2:44
